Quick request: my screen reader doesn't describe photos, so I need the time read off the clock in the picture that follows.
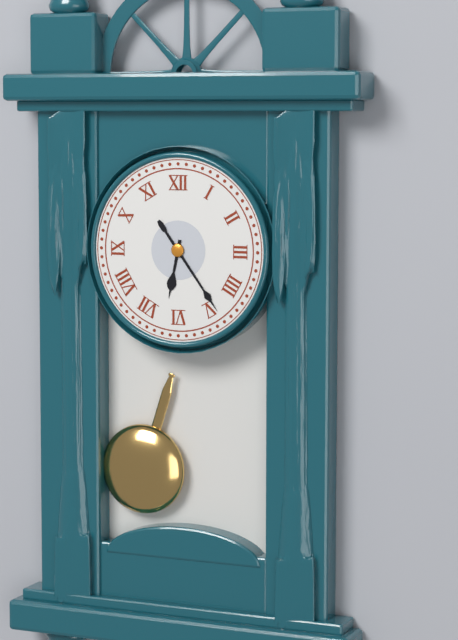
6:24
